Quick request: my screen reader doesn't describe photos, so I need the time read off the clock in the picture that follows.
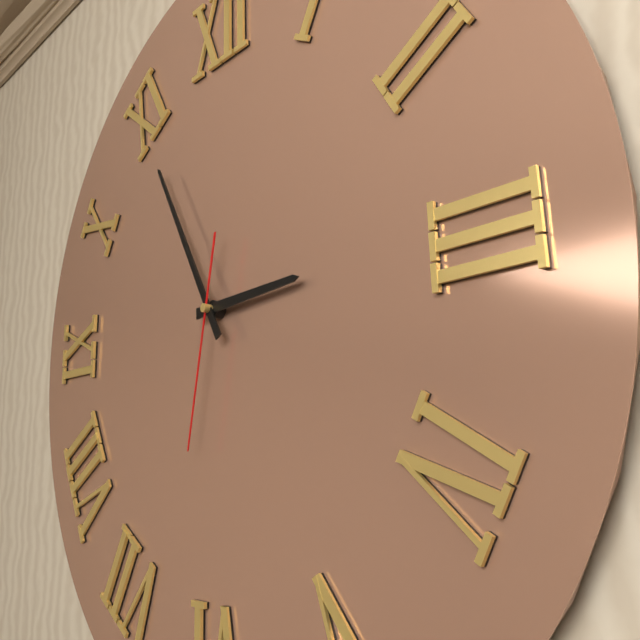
2:55:32
